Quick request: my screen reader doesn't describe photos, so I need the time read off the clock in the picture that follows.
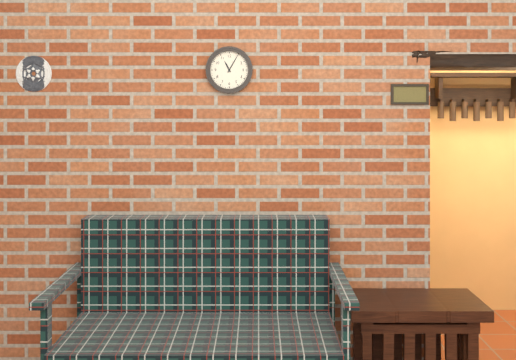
11:05
